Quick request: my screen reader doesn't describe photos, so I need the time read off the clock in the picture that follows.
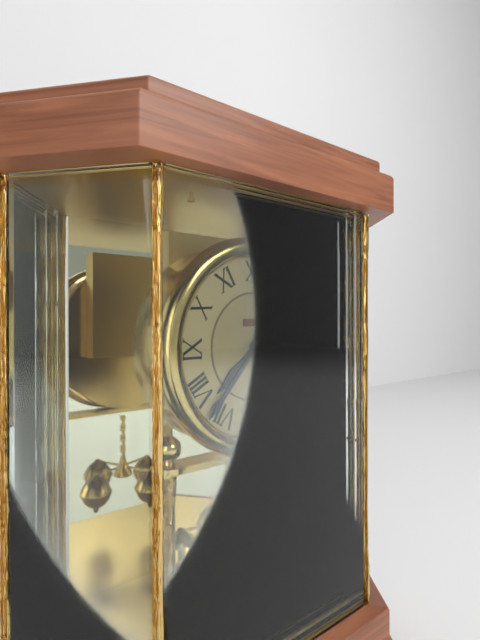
7:37
